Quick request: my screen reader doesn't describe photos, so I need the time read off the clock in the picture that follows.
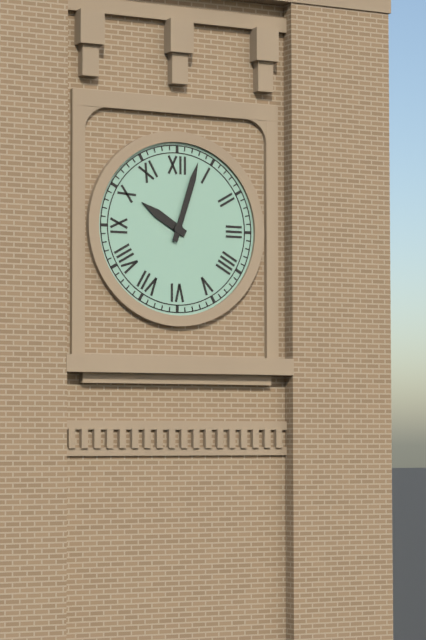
10:03
